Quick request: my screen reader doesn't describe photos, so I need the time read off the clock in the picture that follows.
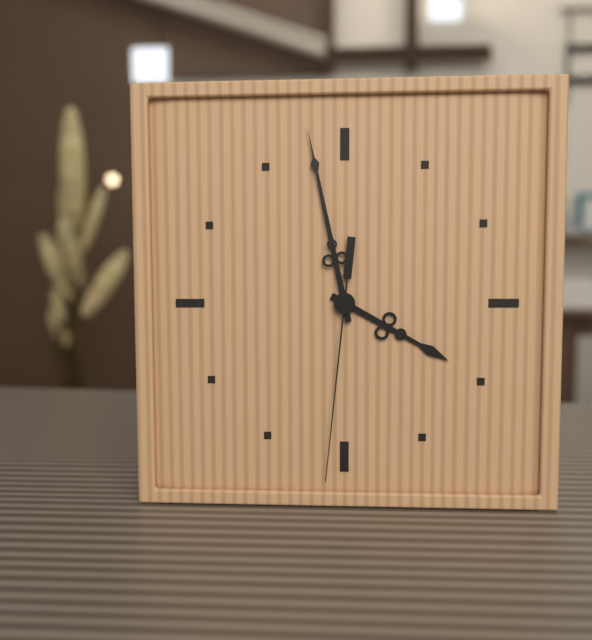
3:58:31
